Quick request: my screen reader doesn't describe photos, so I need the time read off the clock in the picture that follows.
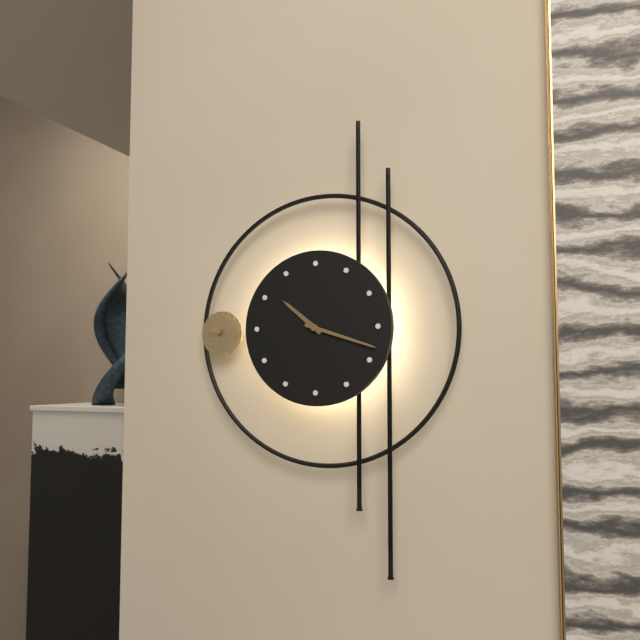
10:18
